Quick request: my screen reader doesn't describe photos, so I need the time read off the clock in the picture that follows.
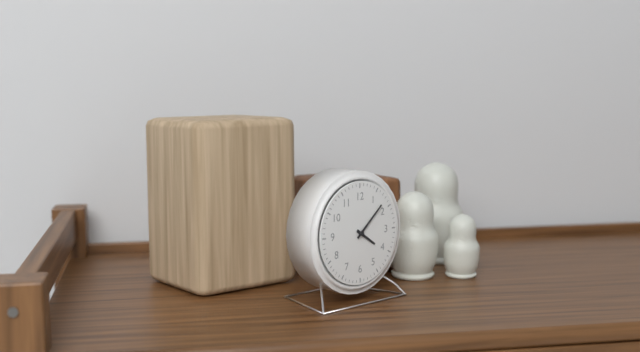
4:08
